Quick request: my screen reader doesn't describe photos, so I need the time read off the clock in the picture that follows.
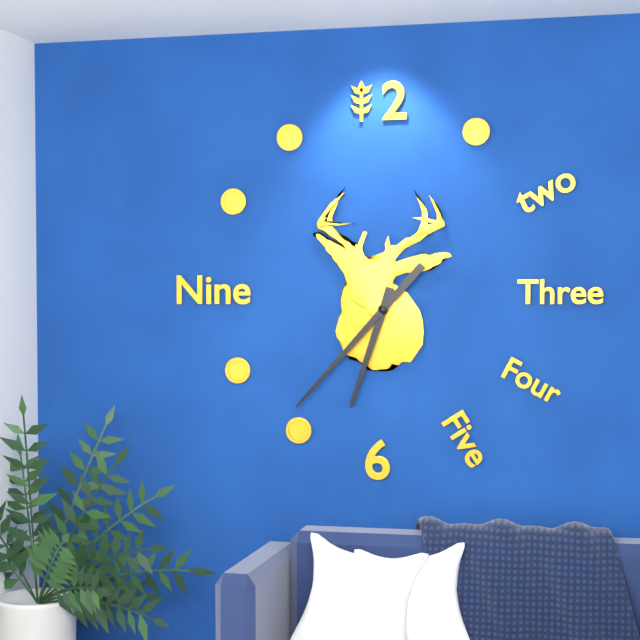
6:37
